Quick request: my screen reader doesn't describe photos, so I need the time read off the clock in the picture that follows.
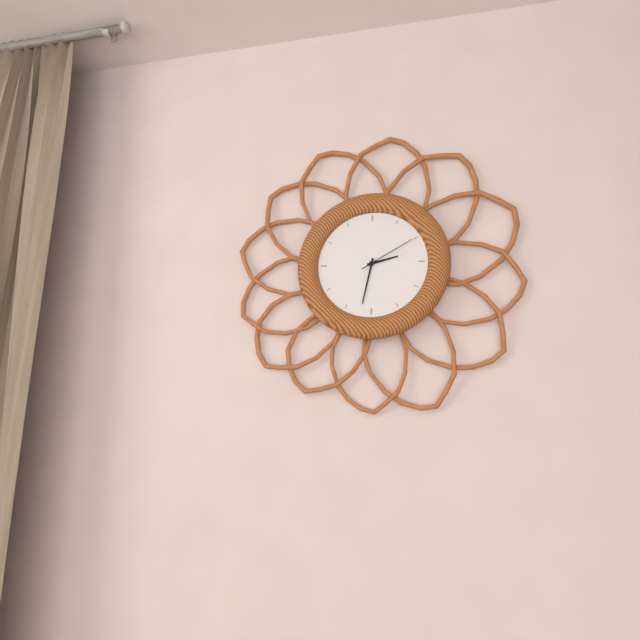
2:32:10
